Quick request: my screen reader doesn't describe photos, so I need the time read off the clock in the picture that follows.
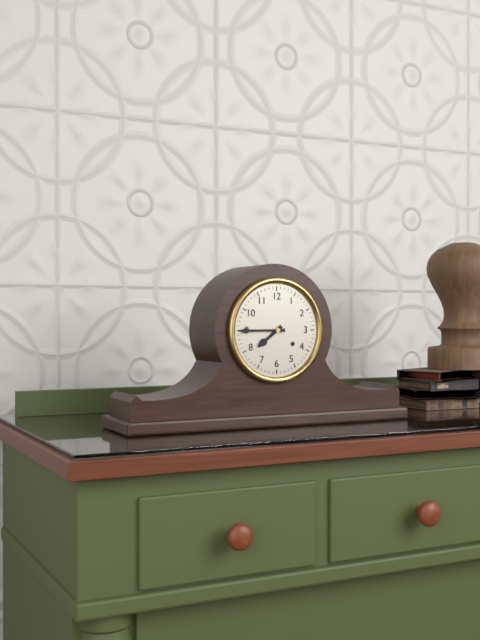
7:45
